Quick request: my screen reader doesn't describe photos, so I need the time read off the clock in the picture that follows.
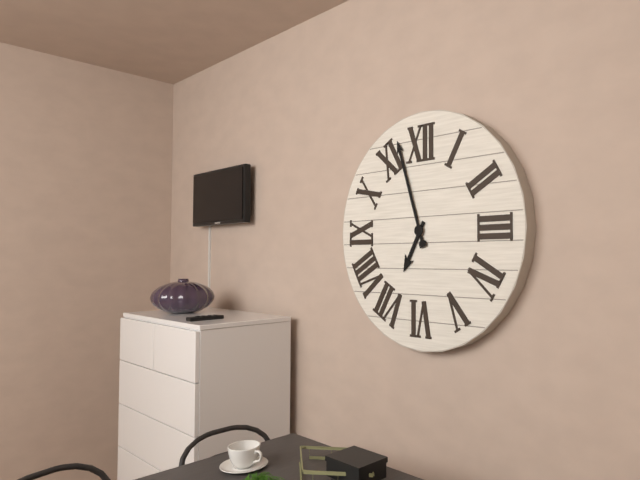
6:57
